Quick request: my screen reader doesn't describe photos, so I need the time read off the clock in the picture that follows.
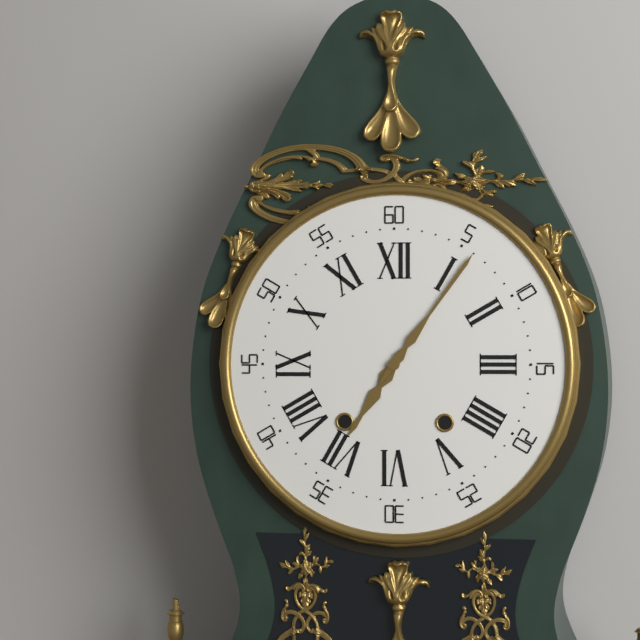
7:06
